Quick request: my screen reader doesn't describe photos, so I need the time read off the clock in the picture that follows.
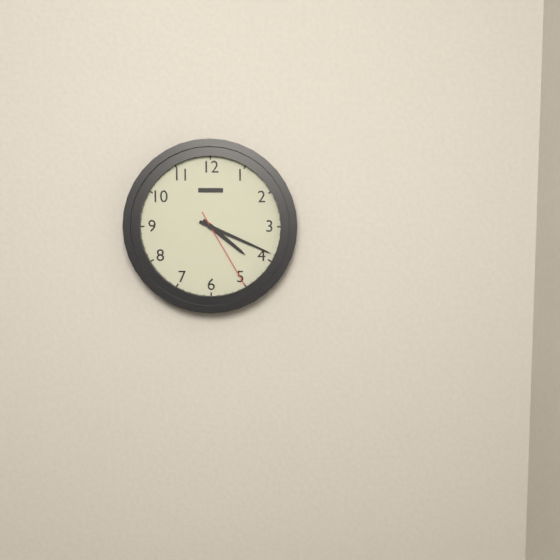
4:19:25
